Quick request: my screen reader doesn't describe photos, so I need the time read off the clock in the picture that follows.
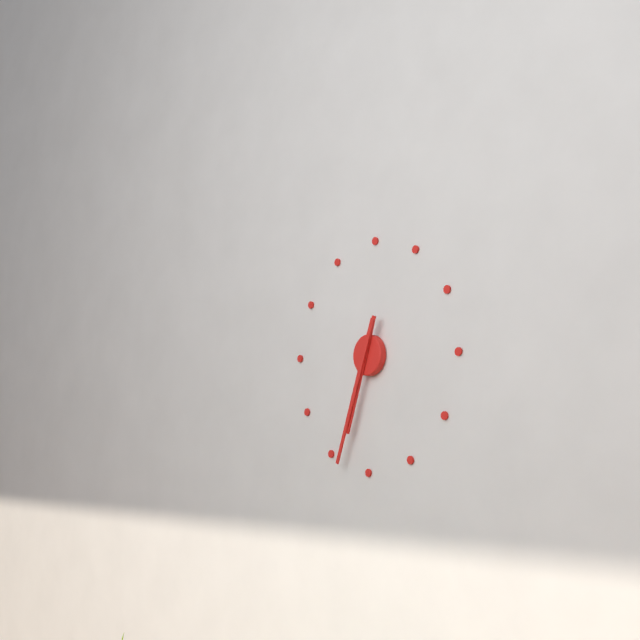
6:33
